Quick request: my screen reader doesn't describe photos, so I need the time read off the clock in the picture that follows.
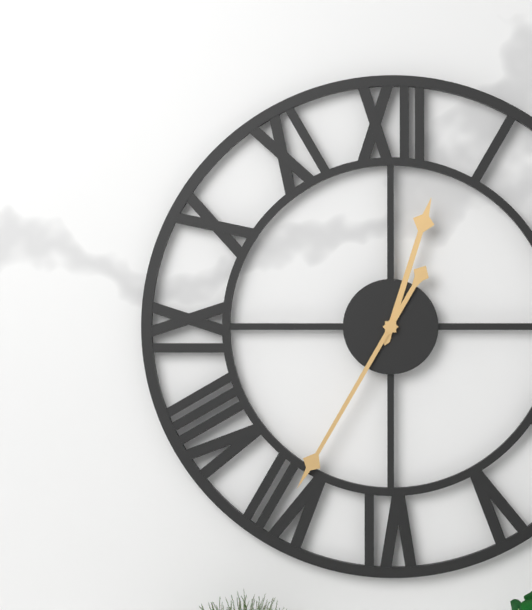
12:35
